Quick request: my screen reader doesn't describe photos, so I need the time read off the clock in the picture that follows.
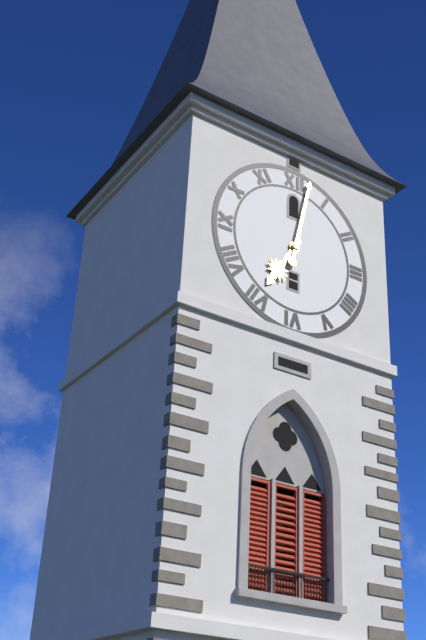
7:02
